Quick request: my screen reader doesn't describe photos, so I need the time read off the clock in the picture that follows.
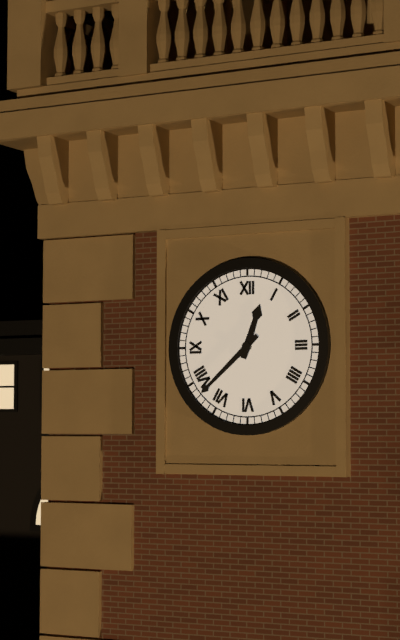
12:38
